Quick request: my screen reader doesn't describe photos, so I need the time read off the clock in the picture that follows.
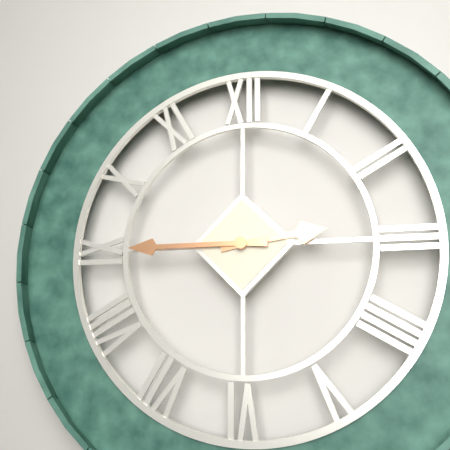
2:45
